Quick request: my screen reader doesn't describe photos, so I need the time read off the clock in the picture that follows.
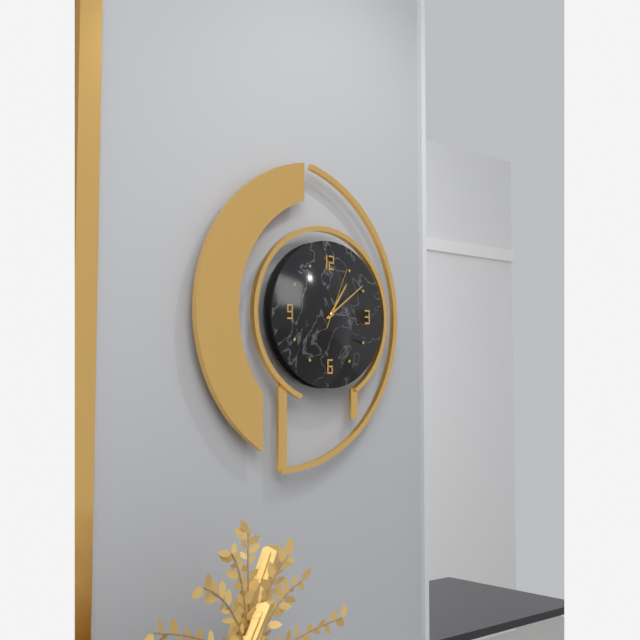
1:09:04
